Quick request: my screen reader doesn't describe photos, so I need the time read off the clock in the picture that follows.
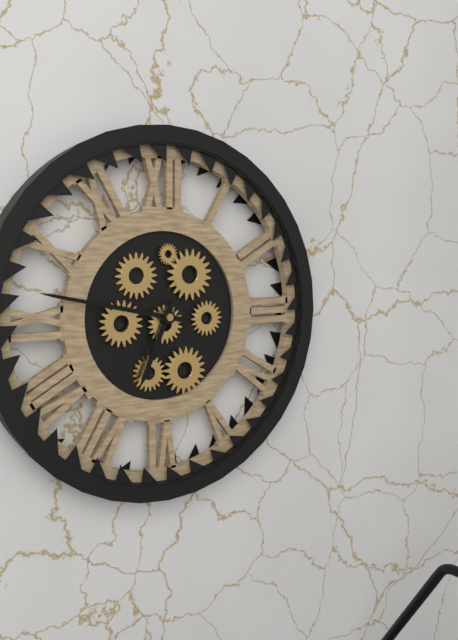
6:47
